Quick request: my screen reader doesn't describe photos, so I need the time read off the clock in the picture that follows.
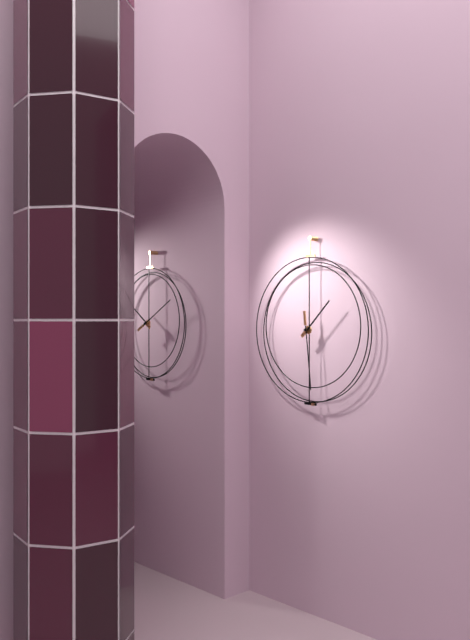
1:29
